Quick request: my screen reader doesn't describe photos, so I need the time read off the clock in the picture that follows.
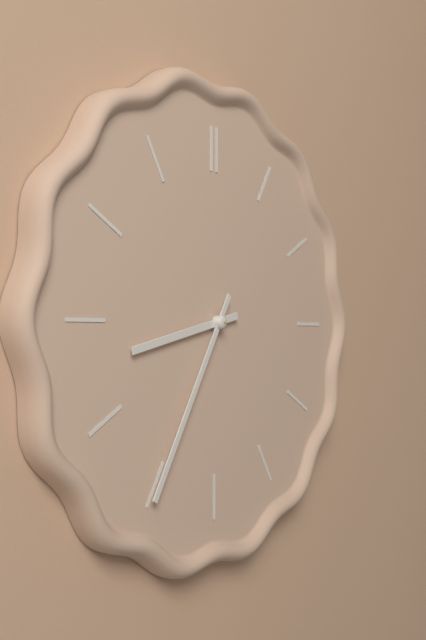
8:35
